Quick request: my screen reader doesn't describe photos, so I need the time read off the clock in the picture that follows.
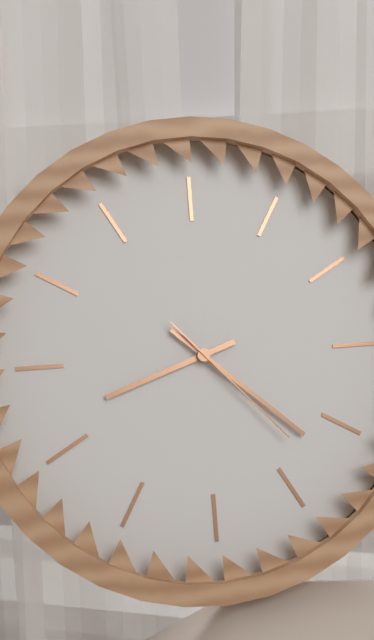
8:22:23
